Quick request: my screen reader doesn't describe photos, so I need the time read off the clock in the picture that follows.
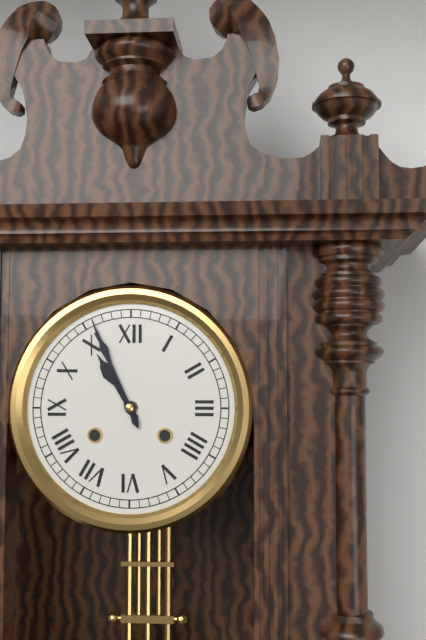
10:56
